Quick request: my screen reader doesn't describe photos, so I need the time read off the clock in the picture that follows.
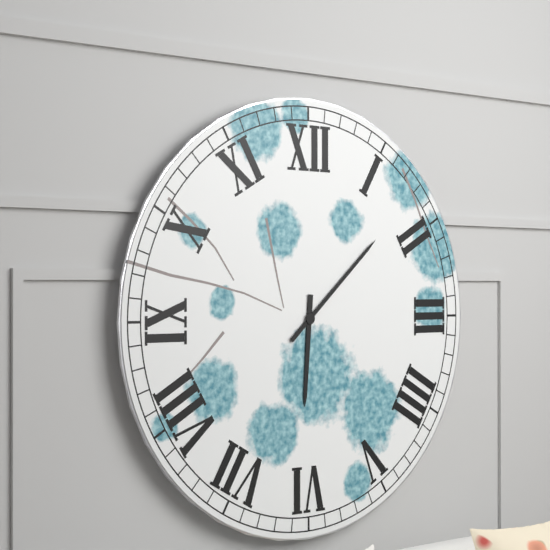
6:08
